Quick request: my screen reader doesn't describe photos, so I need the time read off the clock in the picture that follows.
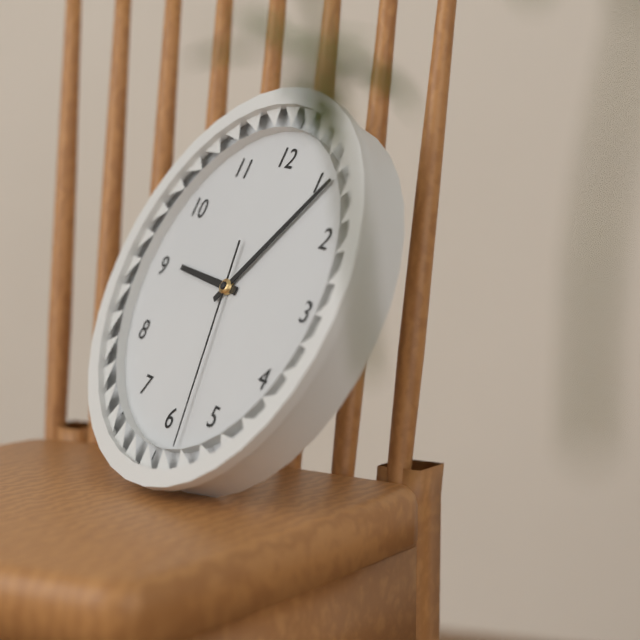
9:06:28
